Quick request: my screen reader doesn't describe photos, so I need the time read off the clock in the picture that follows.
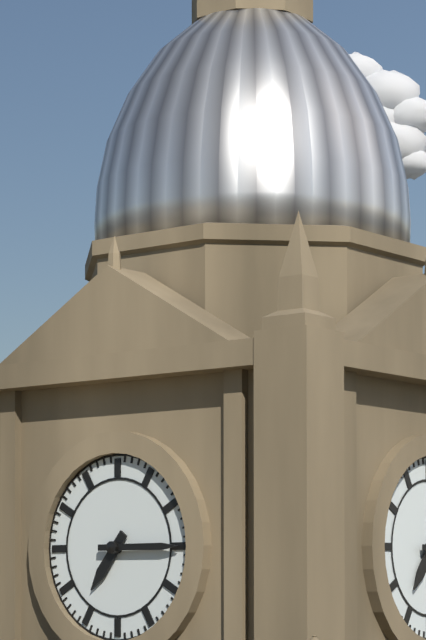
7:15
